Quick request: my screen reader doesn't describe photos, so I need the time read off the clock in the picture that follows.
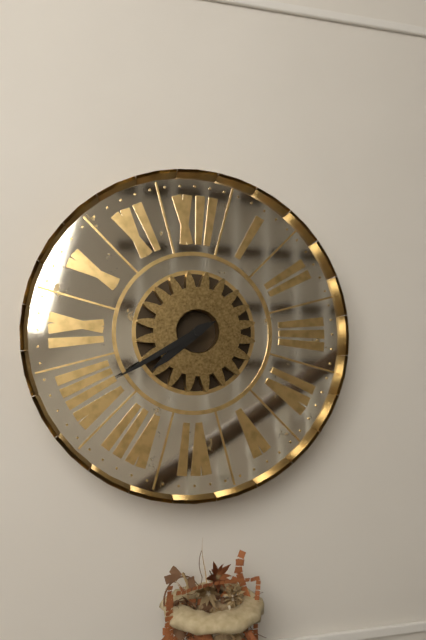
7:40
